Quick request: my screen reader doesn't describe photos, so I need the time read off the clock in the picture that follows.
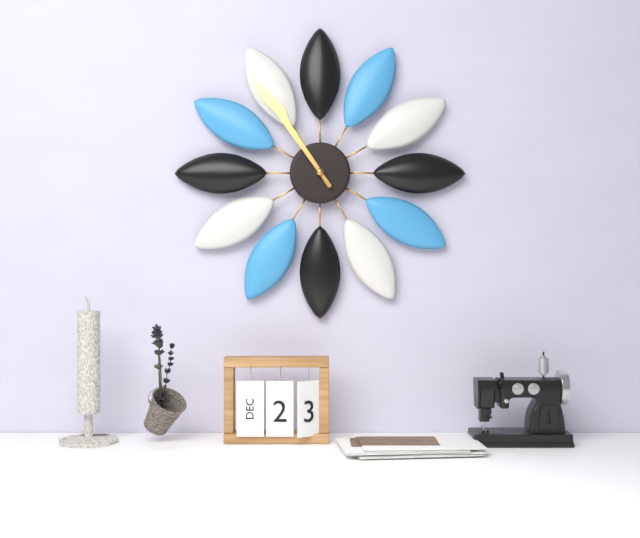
10:54
